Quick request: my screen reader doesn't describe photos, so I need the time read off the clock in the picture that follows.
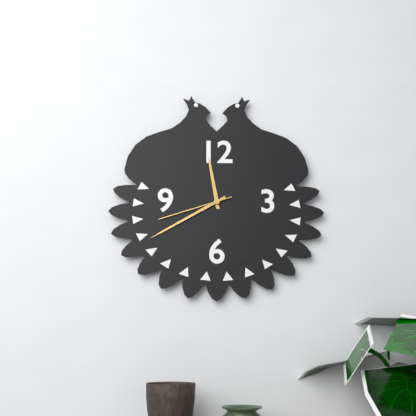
11:40:42
